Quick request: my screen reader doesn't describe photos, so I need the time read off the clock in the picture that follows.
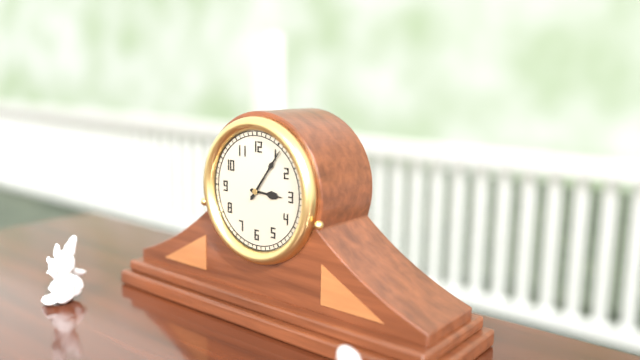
3:06
